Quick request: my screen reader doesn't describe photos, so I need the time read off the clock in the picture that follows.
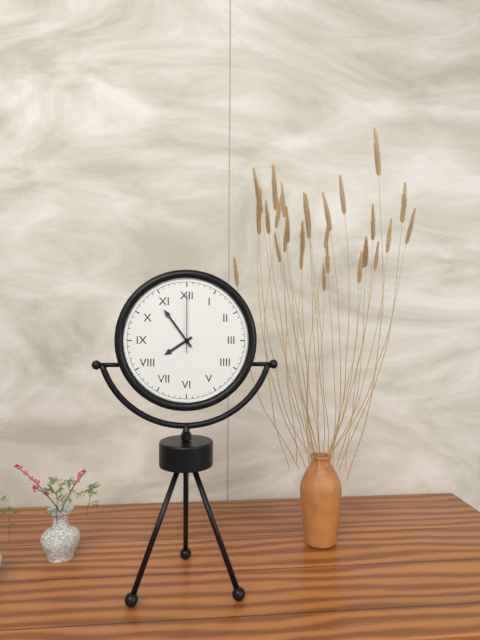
7:54:00
